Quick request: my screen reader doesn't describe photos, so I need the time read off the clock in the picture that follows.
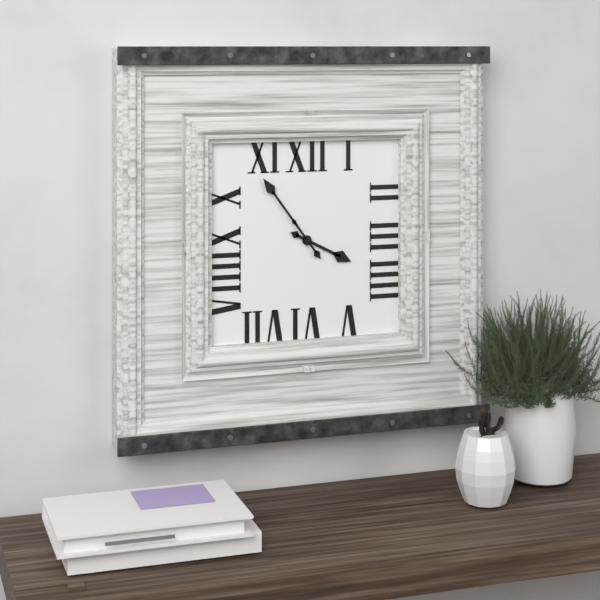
3:54
